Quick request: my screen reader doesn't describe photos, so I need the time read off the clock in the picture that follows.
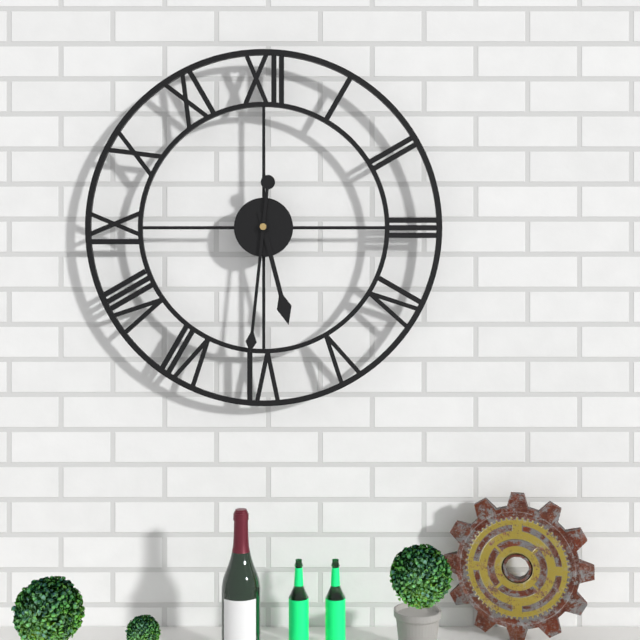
5:31
